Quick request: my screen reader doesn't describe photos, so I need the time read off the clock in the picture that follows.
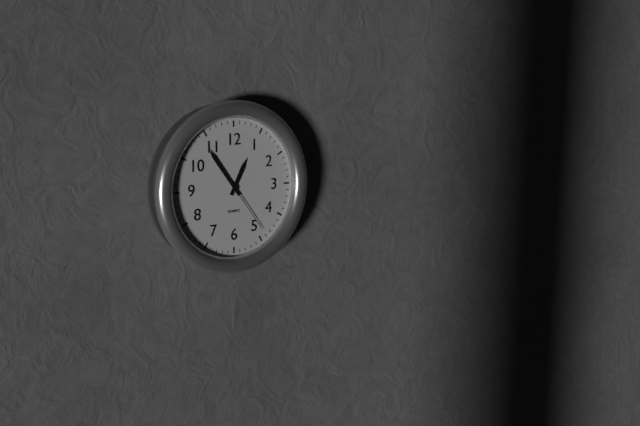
12:54:24
